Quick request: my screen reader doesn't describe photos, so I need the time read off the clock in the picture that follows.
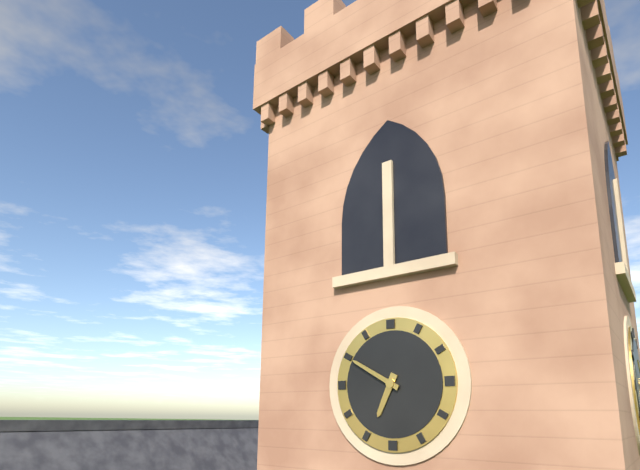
6:50
